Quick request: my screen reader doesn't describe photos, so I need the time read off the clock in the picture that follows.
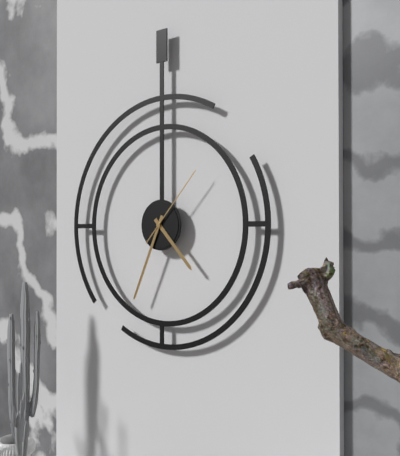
4:34:07
